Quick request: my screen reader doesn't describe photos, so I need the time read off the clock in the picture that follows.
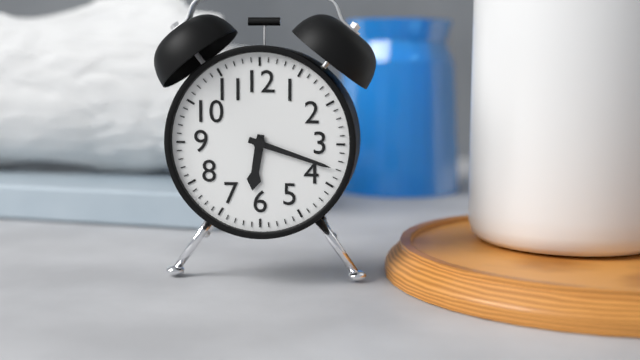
6:18
